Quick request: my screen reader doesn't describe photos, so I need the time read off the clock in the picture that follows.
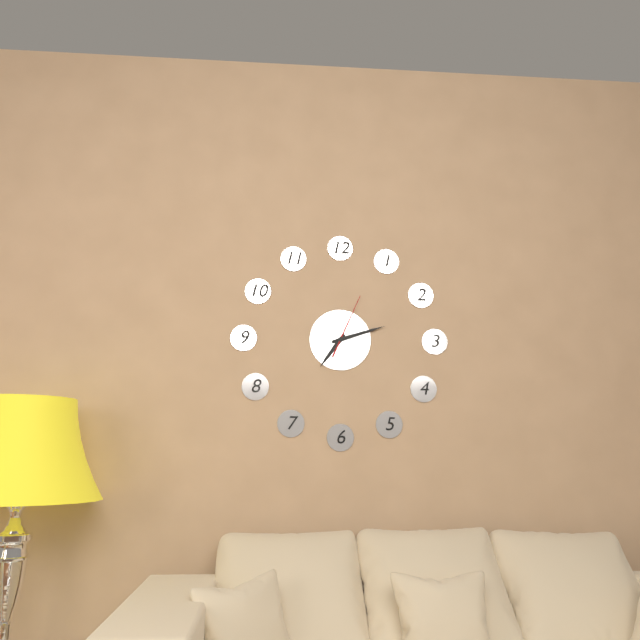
7:12:04
